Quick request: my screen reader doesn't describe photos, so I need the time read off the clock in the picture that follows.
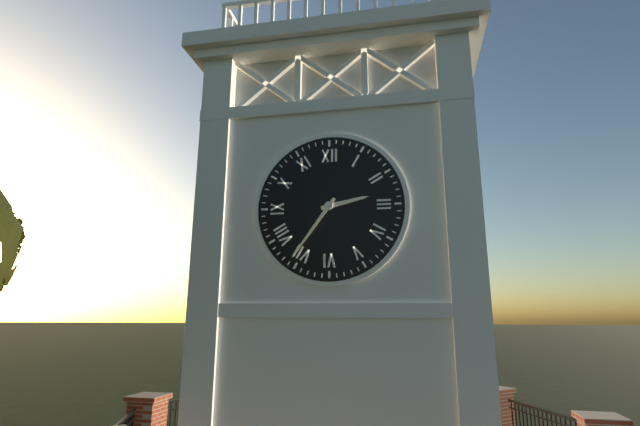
2:36
